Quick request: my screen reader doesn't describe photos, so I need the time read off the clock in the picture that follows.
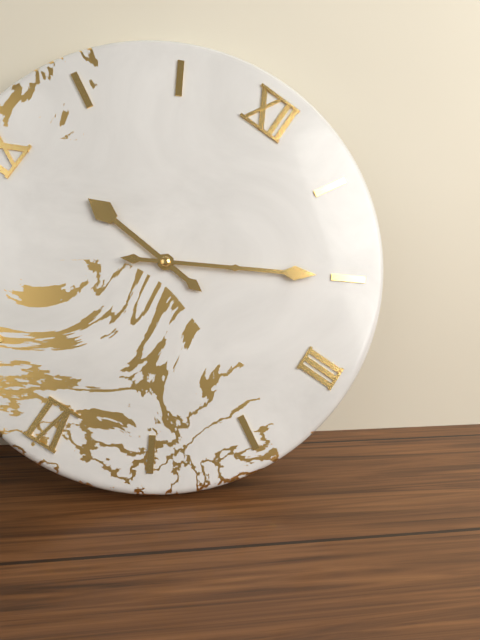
9:10
